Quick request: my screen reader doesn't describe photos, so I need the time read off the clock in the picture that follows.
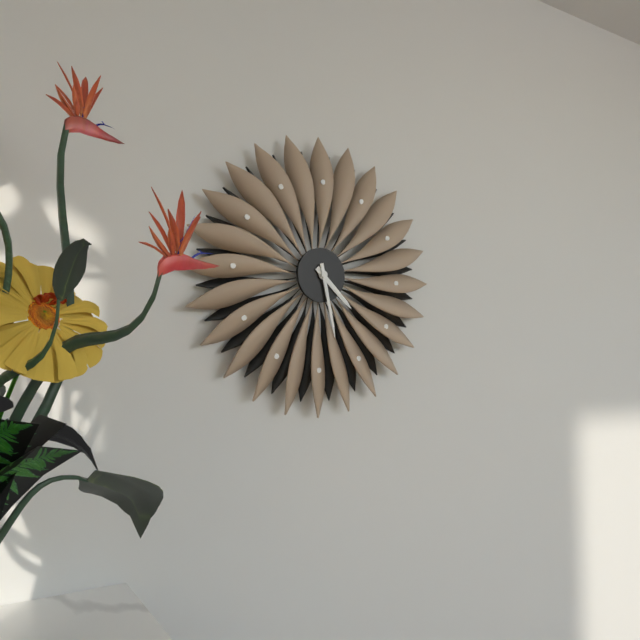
4:28
